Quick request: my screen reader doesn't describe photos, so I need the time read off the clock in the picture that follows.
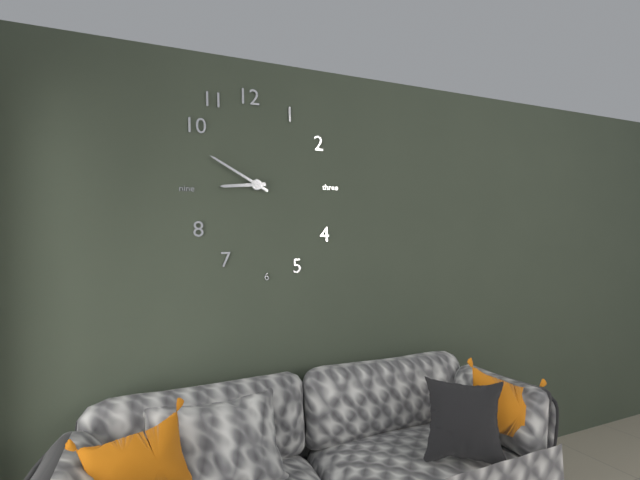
8:50
